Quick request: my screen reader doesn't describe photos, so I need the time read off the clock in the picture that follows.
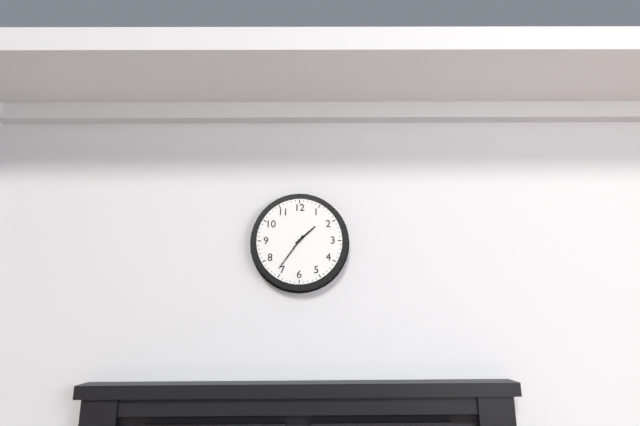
1:36
